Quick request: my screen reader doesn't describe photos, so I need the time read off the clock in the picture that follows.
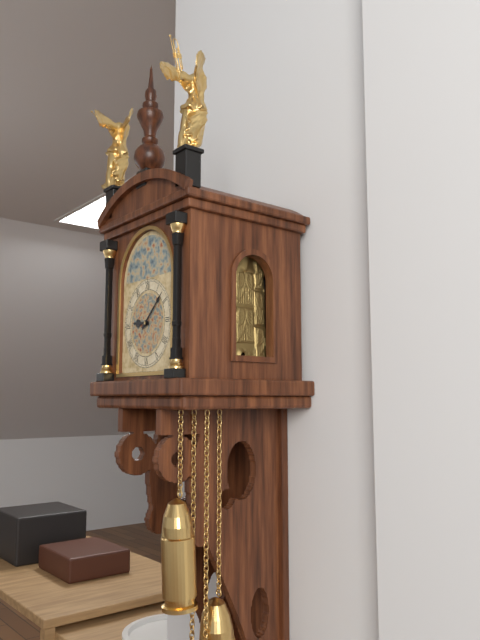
9:08
